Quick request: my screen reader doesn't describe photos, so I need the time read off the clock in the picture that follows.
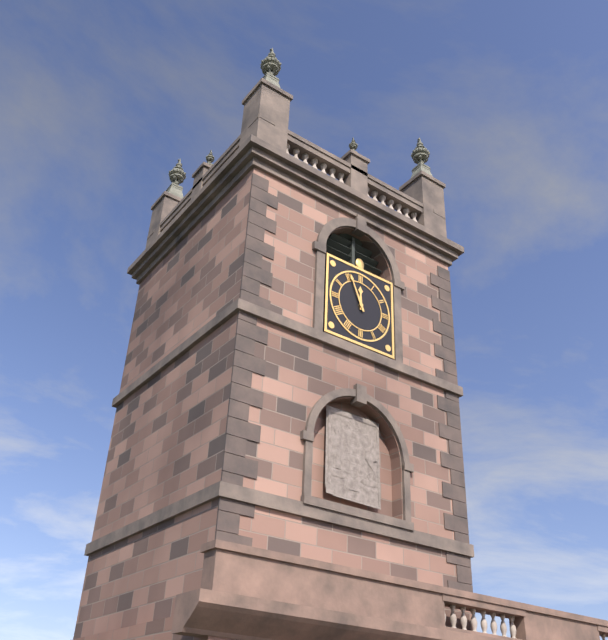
11:56
